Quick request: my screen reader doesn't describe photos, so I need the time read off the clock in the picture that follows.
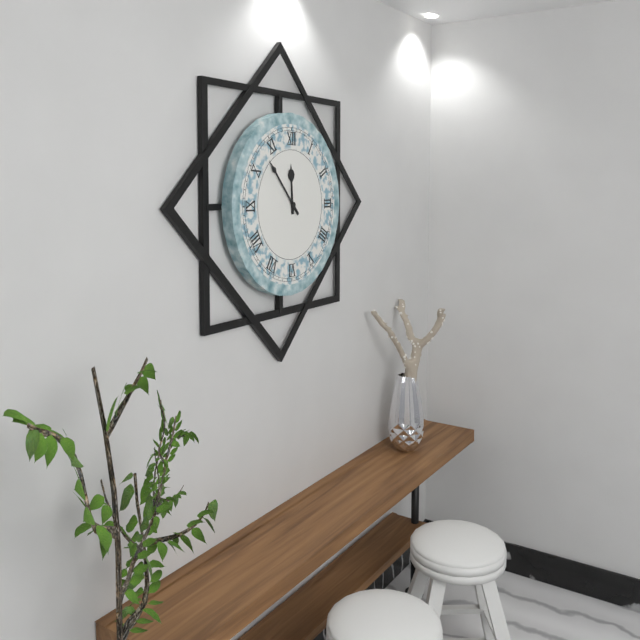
11:53
